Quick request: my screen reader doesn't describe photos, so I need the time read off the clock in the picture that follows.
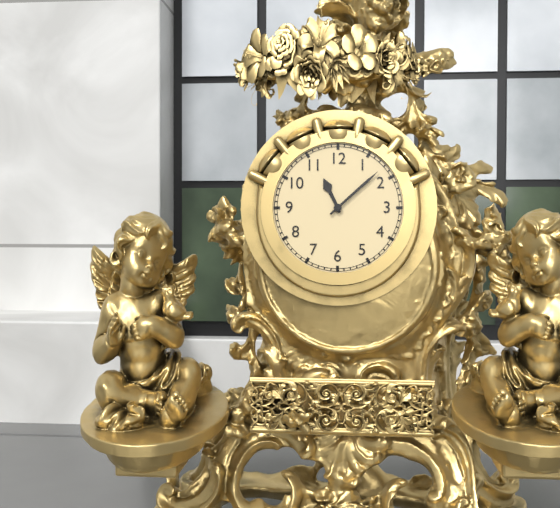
11:08
